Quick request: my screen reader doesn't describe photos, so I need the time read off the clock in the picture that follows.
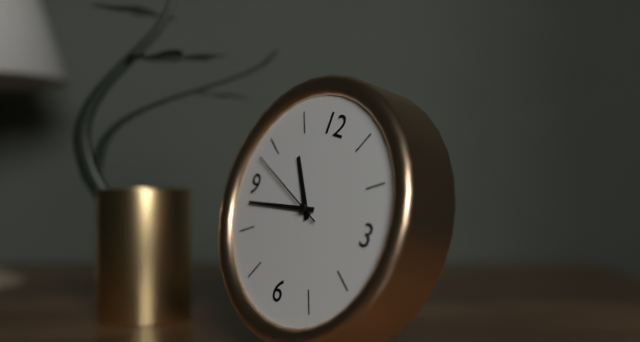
10:43:48
